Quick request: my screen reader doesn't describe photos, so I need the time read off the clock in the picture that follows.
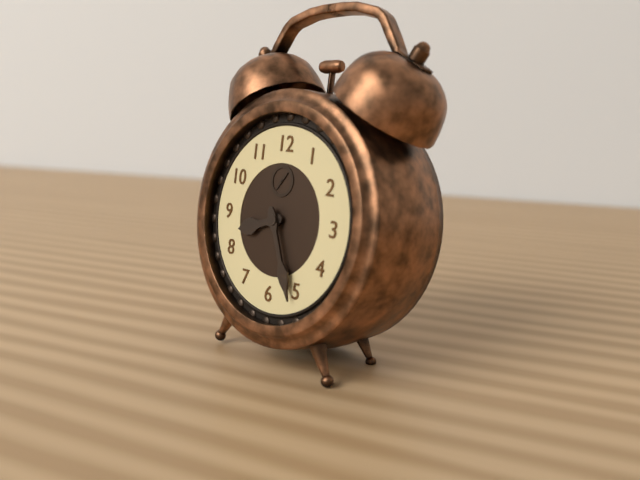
8:26
